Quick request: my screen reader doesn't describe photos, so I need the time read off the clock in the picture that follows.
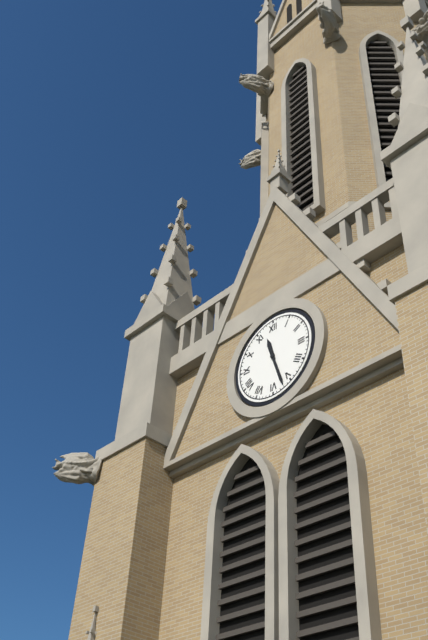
11:27
